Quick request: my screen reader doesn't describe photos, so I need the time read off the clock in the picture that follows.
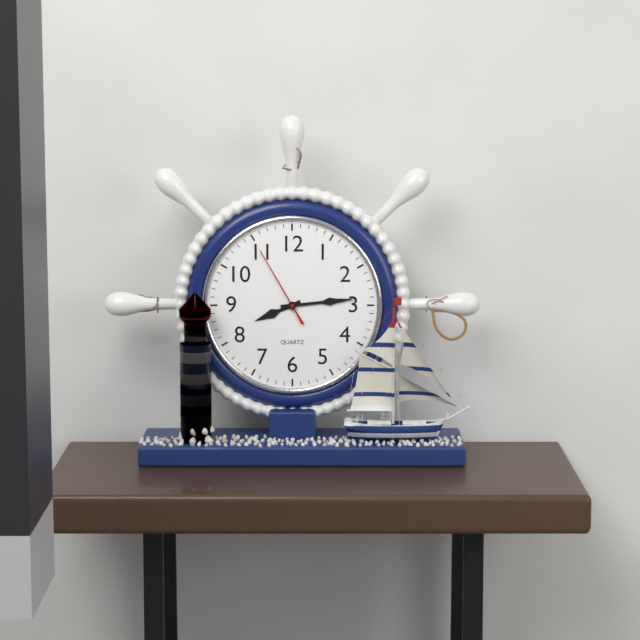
8:14:55
